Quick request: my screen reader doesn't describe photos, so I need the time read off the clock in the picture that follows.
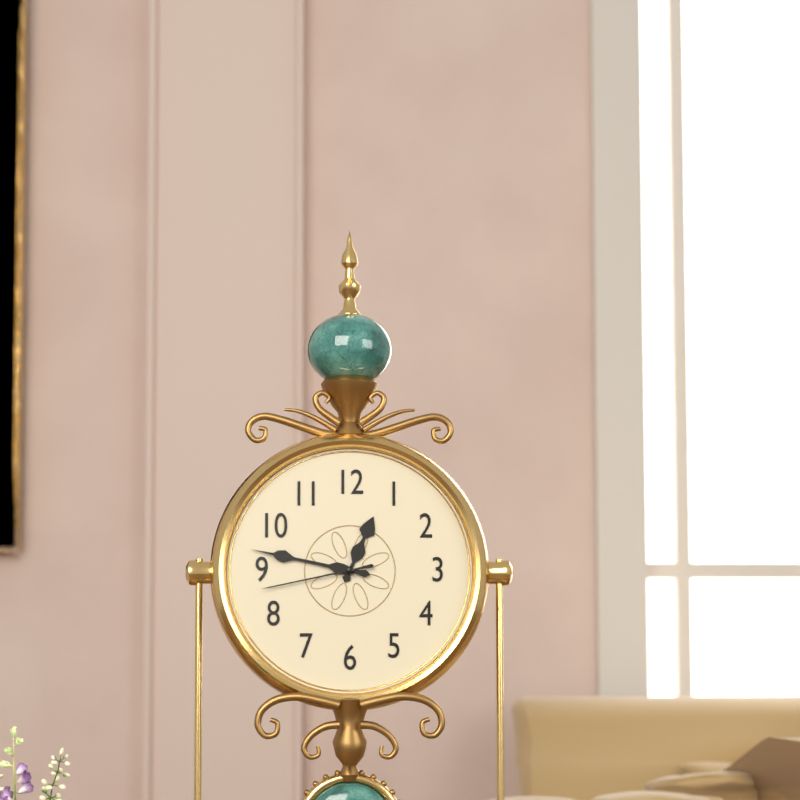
12:47:43
